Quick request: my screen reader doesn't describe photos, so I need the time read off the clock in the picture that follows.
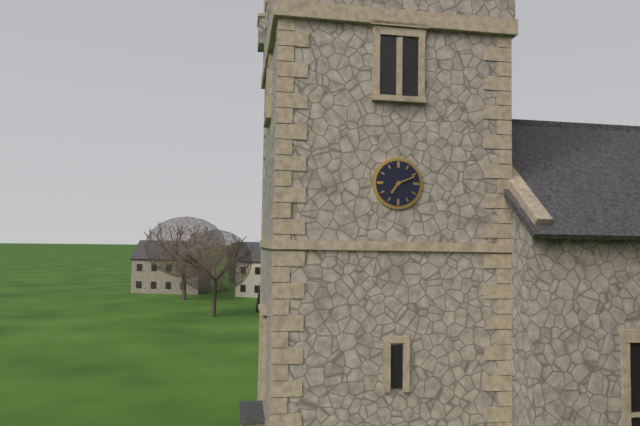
7:11
